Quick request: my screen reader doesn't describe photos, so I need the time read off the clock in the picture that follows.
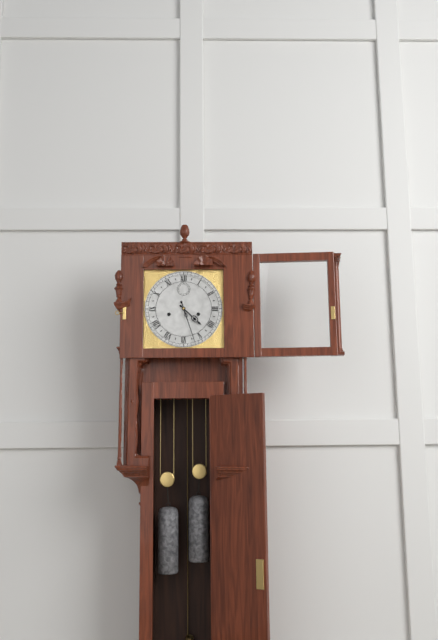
4:27
